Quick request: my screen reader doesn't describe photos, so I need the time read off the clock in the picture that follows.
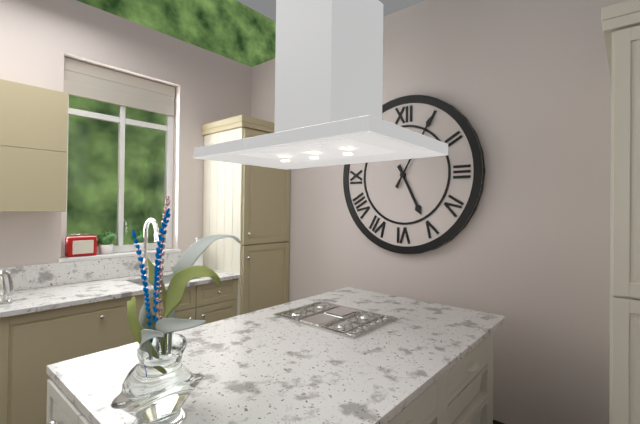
5:05
